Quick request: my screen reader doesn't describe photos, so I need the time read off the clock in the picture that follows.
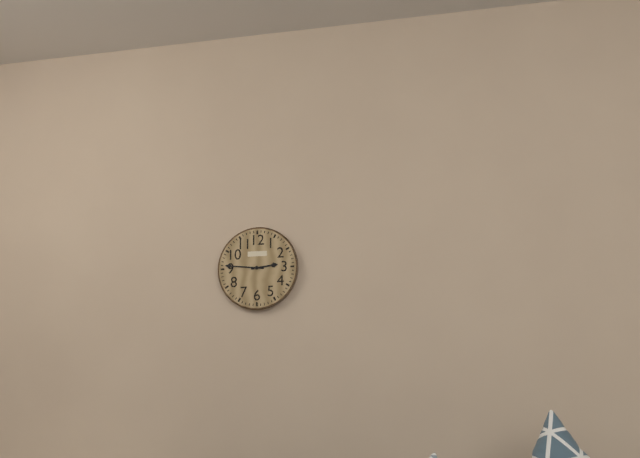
2:46
